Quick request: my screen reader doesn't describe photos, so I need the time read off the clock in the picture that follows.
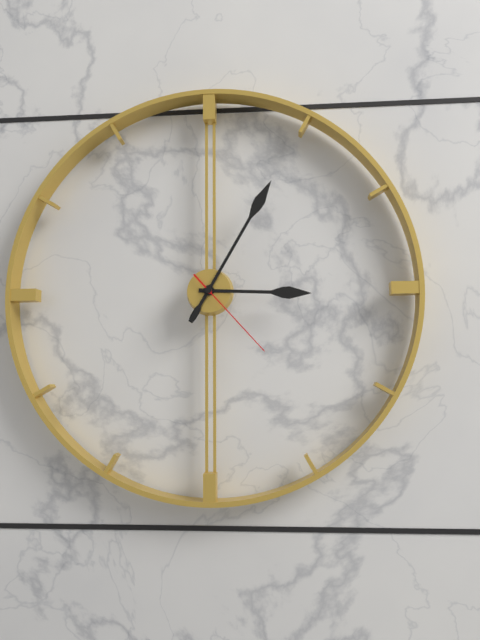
3:05:23
